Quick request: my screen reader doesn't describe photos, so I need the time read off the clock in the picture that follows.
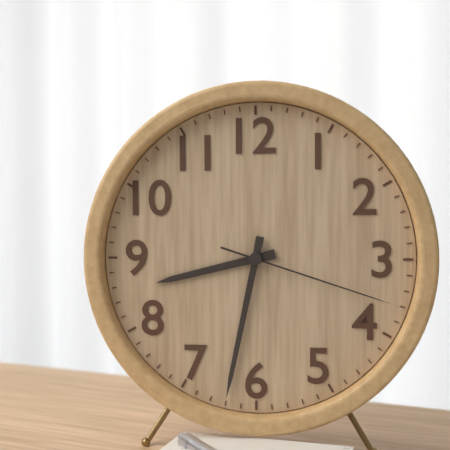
8:32:18
